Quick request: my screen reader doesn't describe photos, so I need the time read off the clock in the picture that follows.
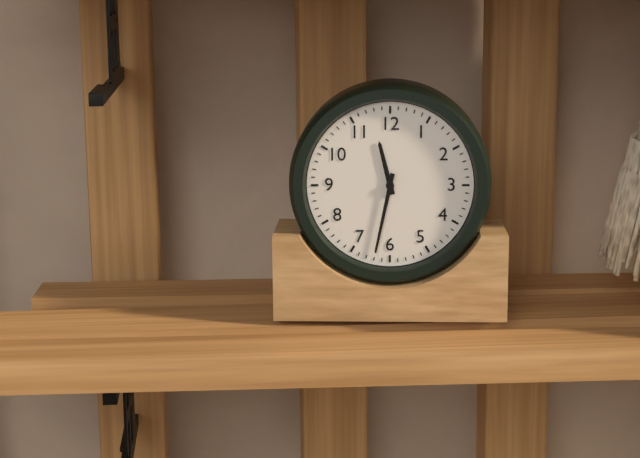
11:32
